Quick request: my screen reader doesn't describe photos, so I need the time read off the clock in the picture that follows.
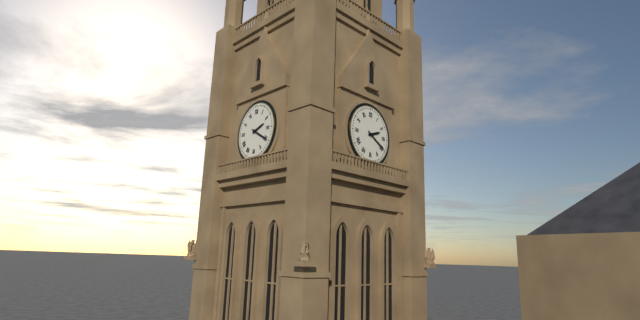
2:20
